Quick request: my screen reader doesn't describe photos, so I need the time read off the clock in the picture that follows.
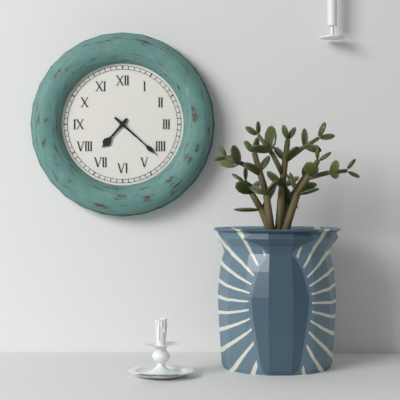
7:22
